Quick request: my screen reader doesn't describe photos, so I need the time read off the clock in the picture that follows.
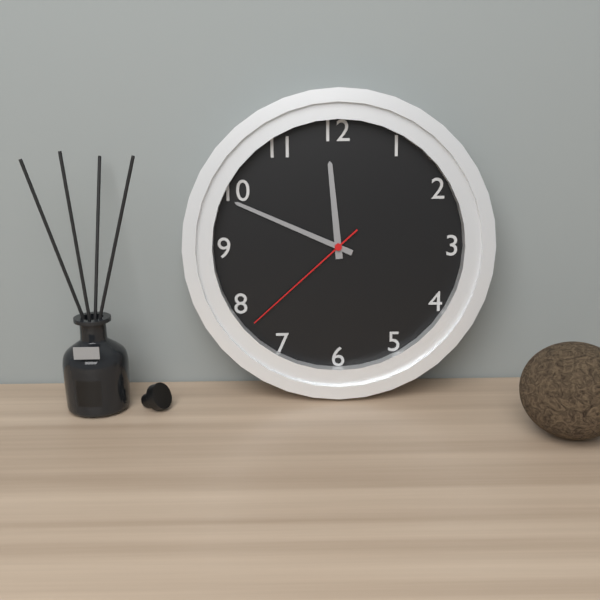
11:49:38
